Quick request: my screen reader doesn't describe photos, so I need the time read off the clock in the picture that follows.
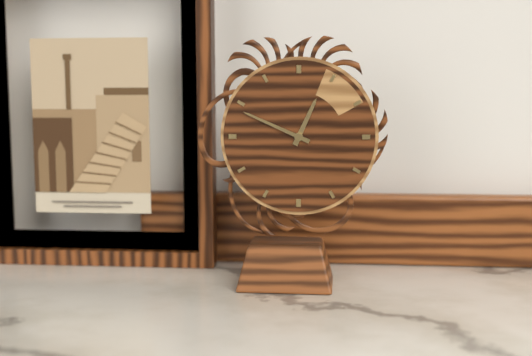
12:49
